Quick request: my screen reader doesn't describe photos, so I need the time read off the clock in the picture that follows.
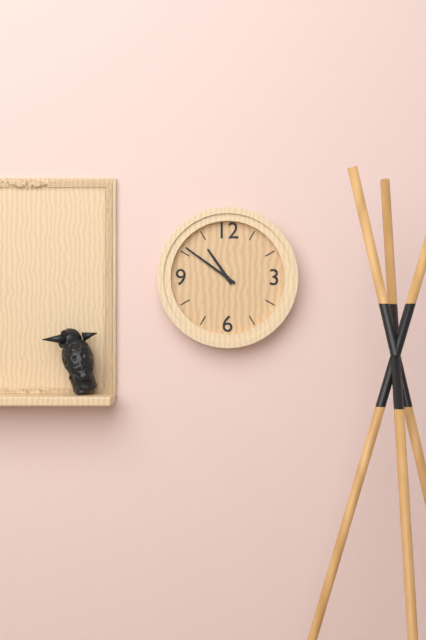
10:51
